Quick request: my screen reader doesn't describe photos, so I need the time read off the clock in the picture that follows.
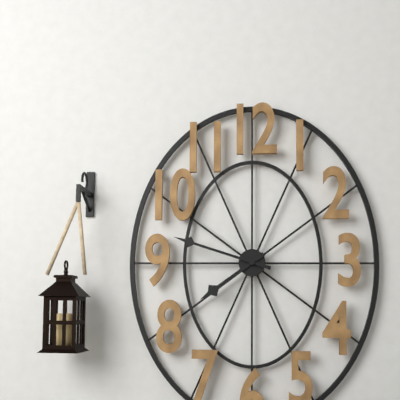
7:48
